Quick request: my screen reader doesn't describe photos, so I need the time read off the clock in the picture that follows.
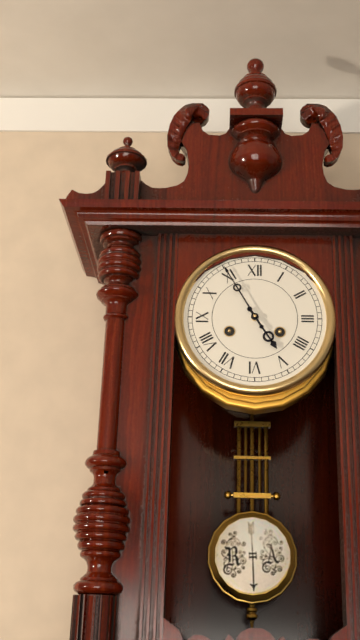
4:55
